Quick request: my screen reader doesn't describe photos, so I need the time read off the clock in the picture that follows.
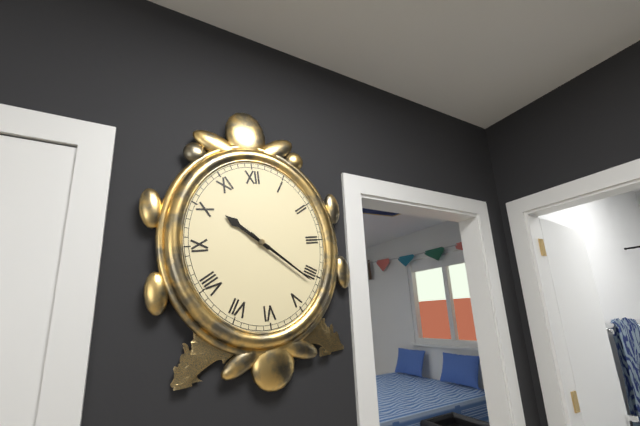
10:22
